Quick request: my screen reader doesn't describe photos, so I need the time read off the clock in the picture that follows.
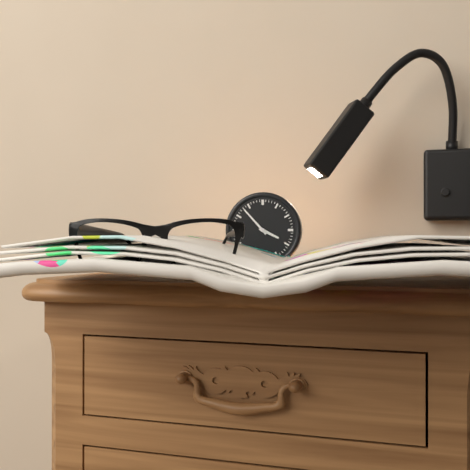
3:53
